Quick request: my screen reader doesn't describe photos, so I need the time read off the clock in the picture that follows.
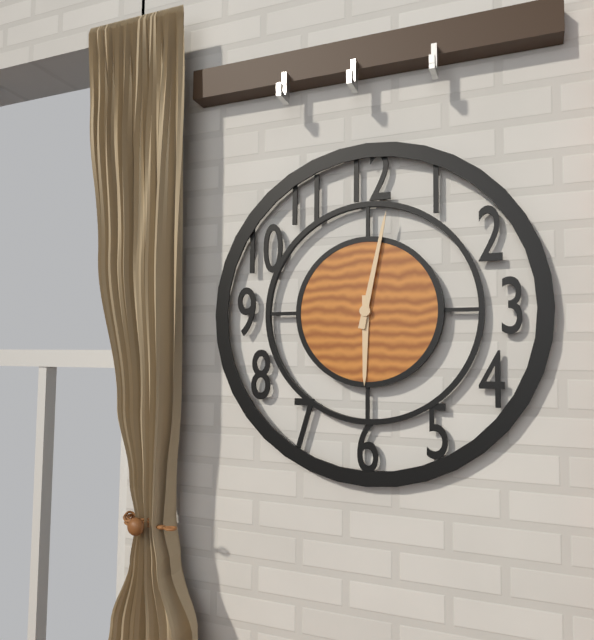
6:02
